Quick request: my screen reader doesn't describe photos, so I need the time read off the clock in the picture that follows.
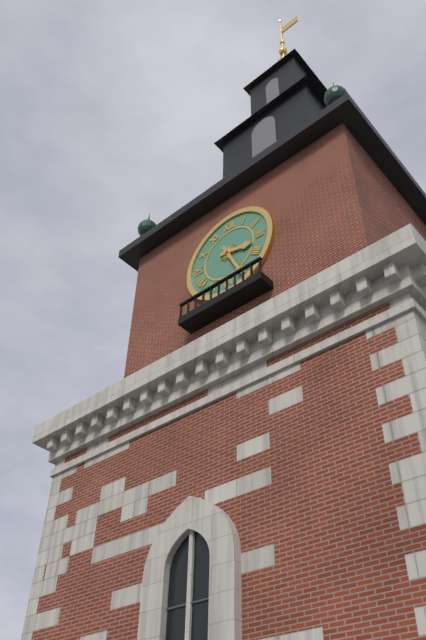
3:26
